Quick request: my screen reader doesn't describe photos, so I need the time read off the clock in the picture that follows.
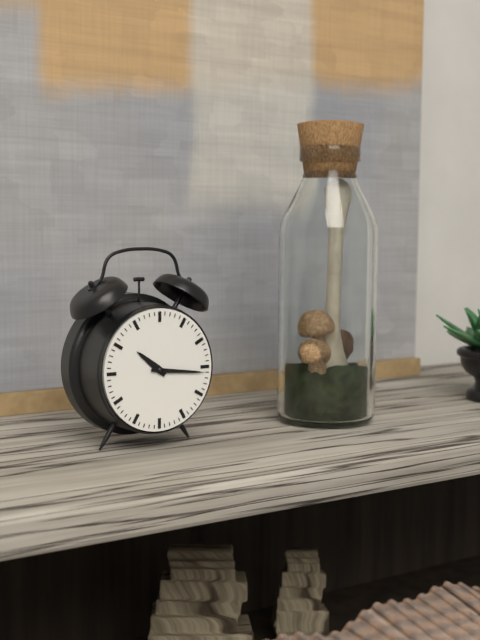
10:16
